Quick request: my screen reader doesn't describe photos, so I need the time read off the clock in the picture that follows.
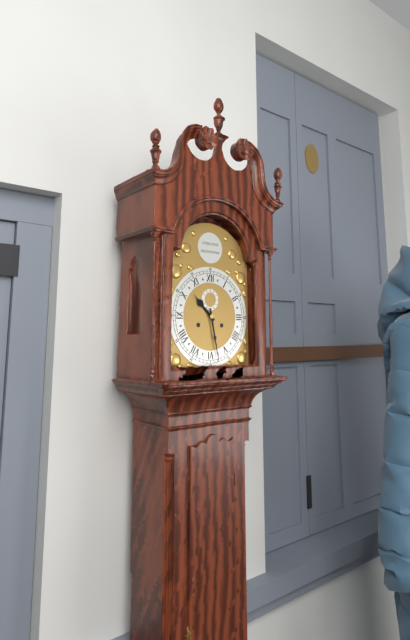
10:28
